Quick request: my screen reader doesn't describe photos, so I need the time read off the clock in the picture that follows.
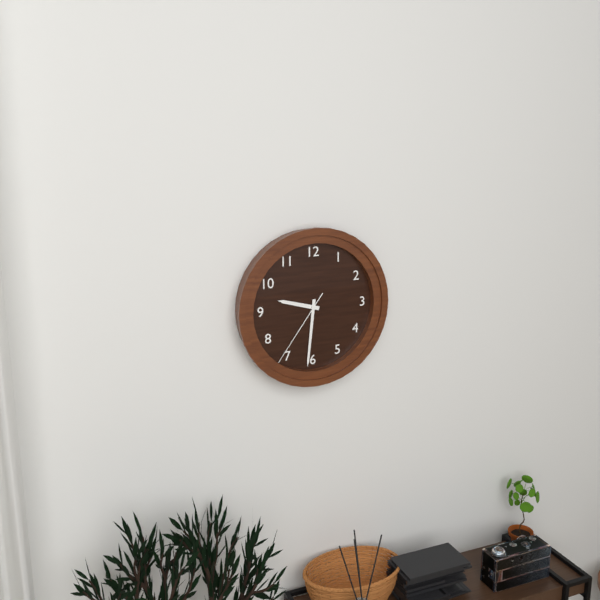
9:31:36
